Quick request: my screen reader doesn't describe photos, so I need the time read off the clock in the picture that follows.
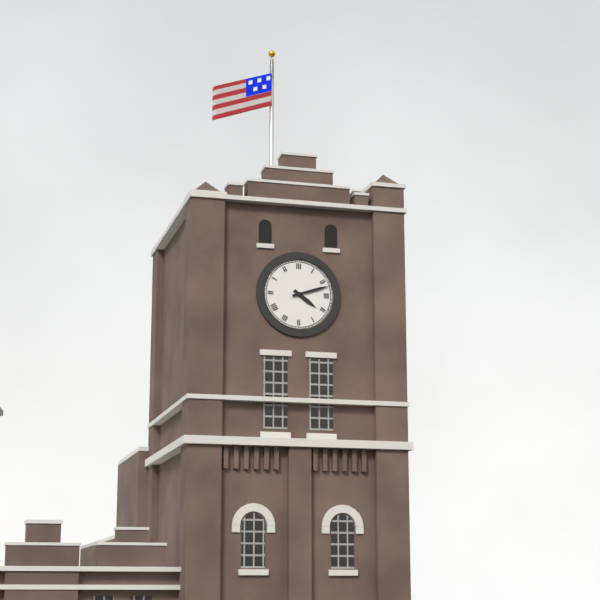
4:12
